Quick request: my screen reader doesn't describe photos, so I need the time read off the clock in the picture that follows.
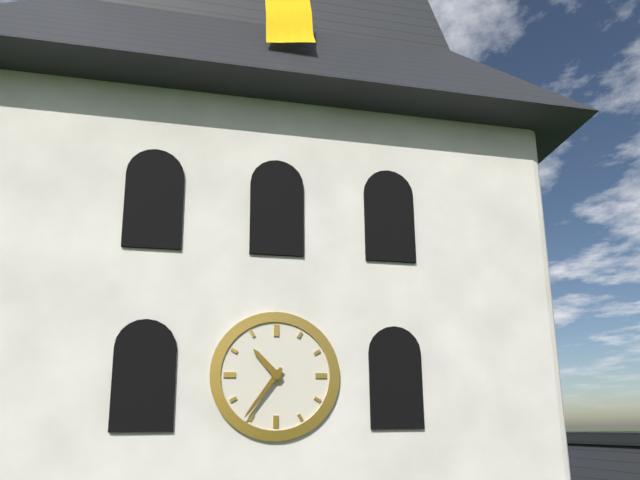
10:36
